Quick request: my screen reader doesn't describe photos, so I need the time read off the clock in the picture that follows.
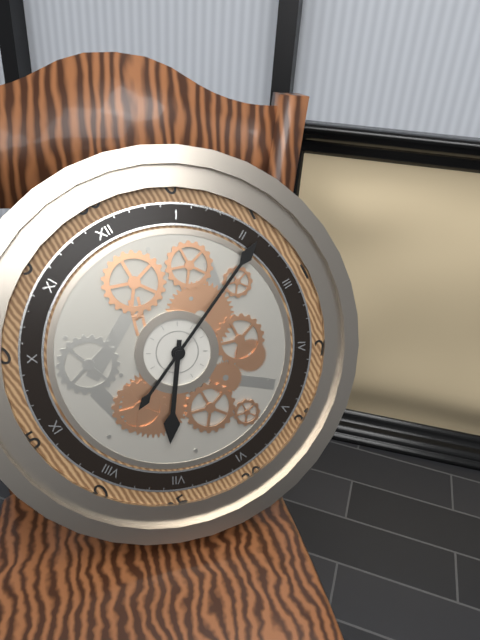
7:11
